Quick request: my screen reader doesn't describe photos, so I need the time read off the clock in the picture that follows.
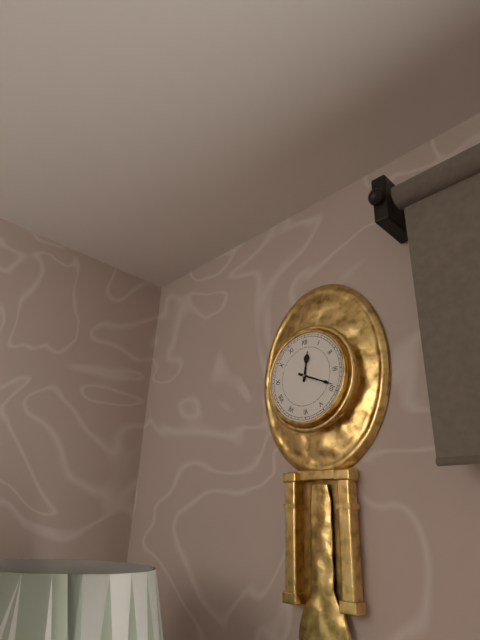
12:19
